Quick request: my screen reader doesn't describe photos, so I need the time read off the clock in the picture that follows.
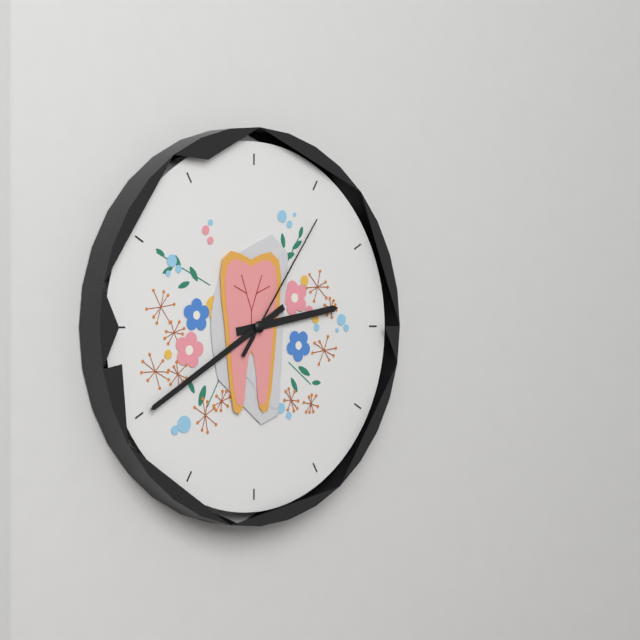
2:40:06
